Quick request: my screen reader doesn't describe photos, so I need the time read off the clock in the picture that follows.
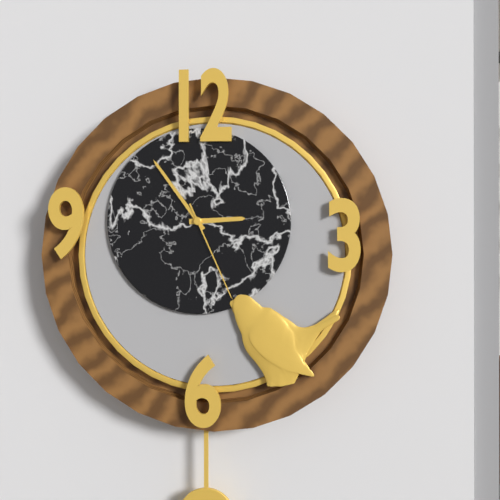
2:54:26
